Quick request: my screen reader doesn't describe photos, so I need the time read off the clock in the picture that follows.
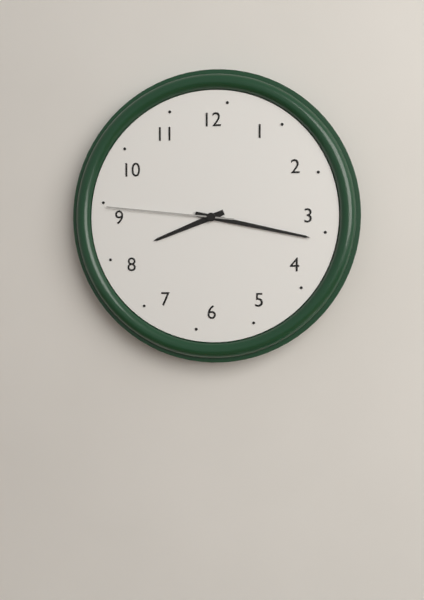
8:17:46
